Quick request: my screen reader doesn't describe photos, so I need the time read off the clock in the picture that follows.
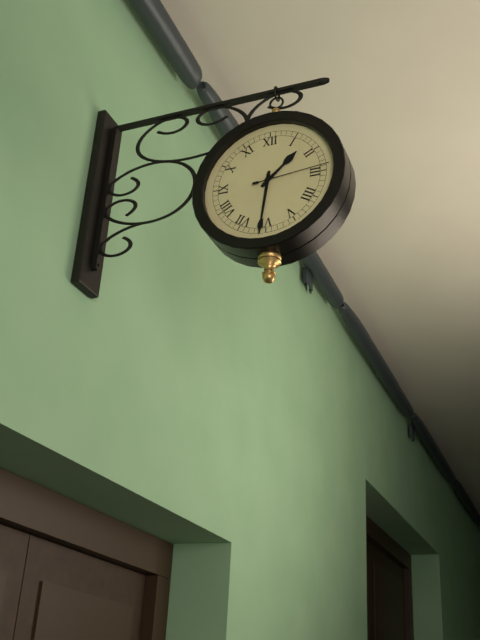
1:31:14
